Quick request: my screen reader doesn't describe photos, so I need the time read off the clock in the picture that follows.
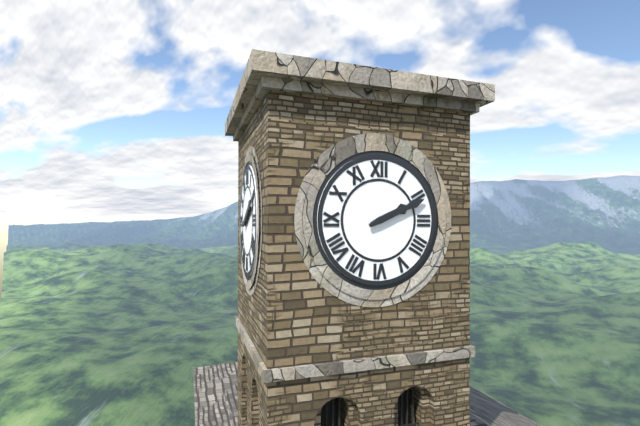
2:11
